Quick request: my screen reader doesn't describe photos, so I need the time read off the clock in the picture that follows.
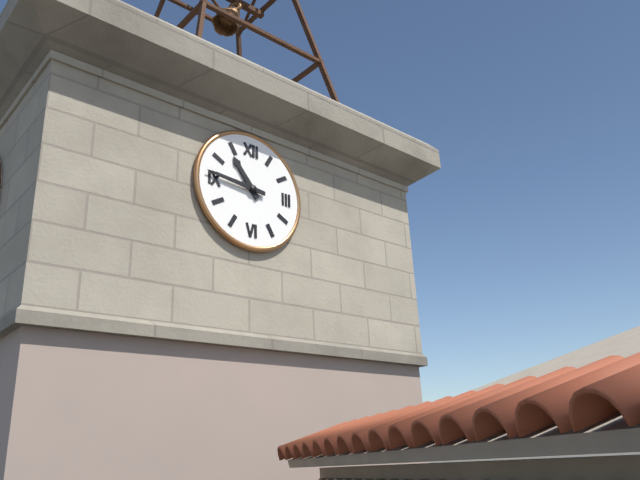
10:46
